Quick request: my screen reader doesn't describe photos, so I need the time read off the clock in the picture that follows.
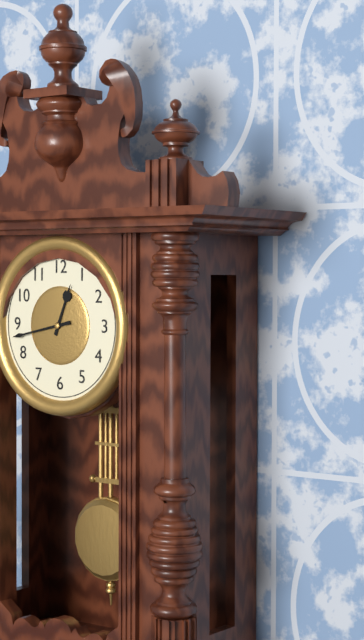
12:43
